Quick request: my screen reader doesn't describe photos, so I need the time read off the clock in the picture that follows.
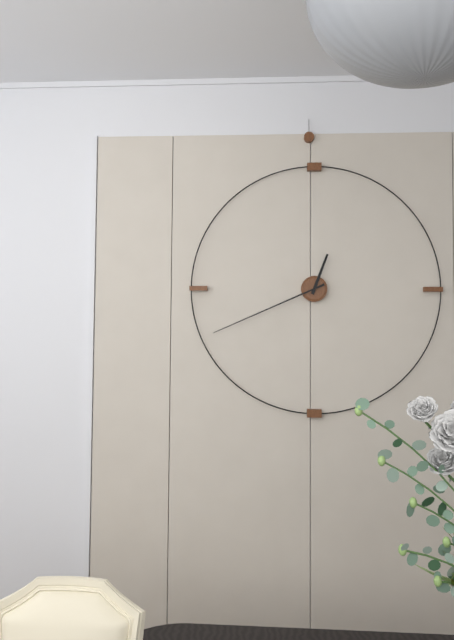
12:41
